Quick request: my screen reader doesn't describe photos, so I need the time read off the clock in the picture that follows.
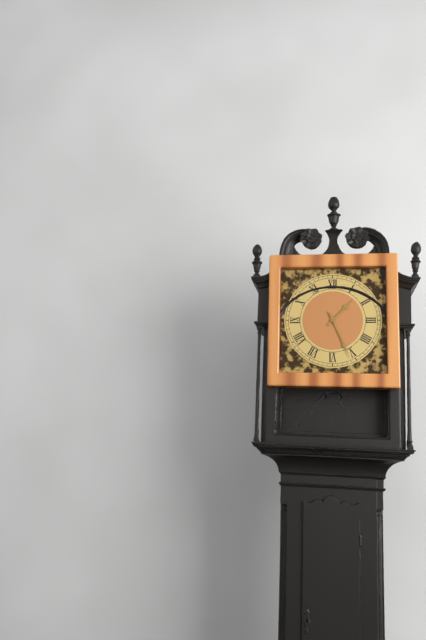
1:26
